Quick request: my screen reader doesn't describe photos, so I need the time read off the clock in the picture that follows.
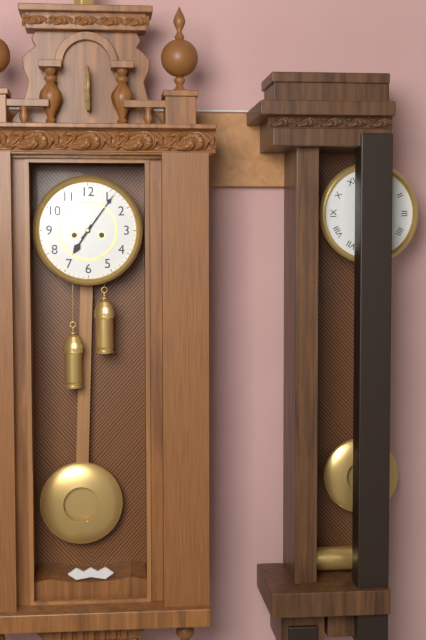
7:06
